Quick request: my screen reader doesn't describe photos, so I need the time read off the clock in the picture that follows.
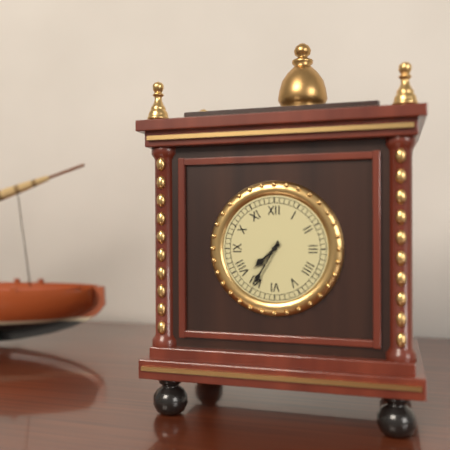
7:35
